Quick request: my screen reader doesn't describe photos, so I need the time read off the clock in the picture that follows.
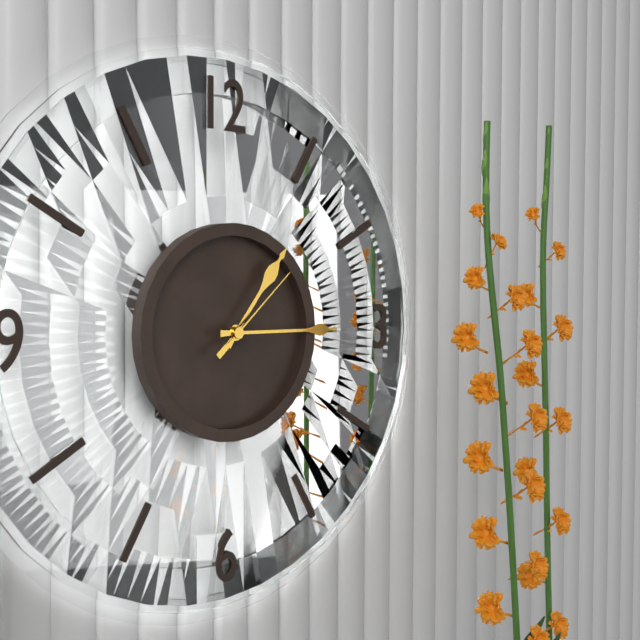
1:15:08
